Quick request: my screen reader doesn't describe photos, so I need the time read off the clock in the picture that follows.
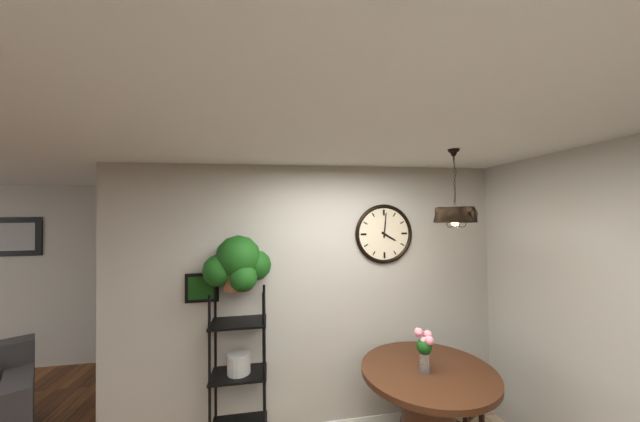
4:01
